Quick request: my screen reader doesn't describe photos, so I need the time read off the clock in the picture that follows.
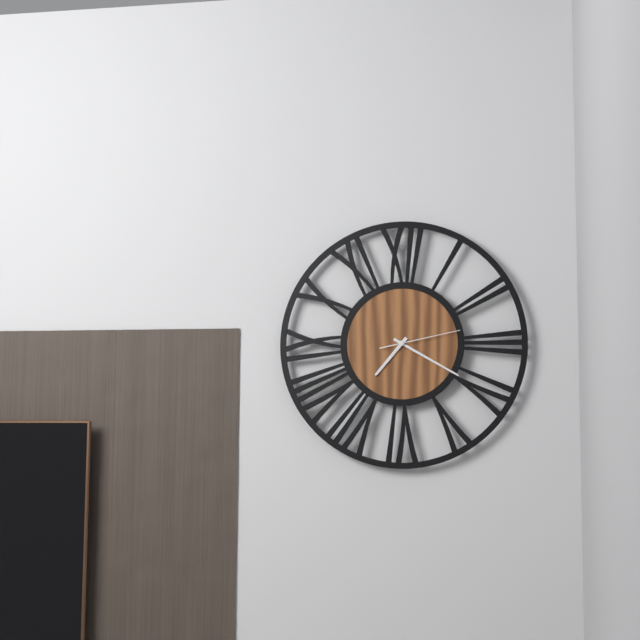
7:20:13
